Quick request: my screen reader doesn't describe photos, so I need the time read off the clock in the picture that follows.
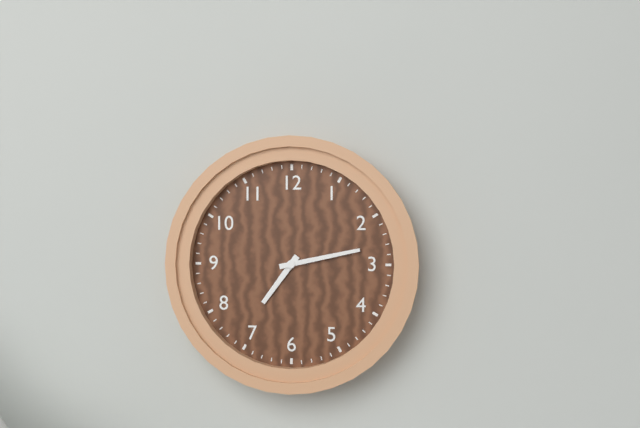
7:13
